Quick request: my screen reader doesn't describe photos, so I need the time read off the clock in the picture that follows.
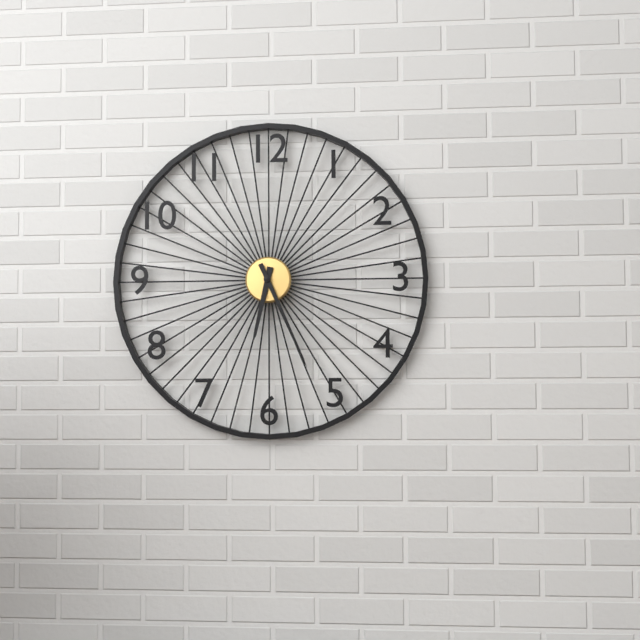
6:26
